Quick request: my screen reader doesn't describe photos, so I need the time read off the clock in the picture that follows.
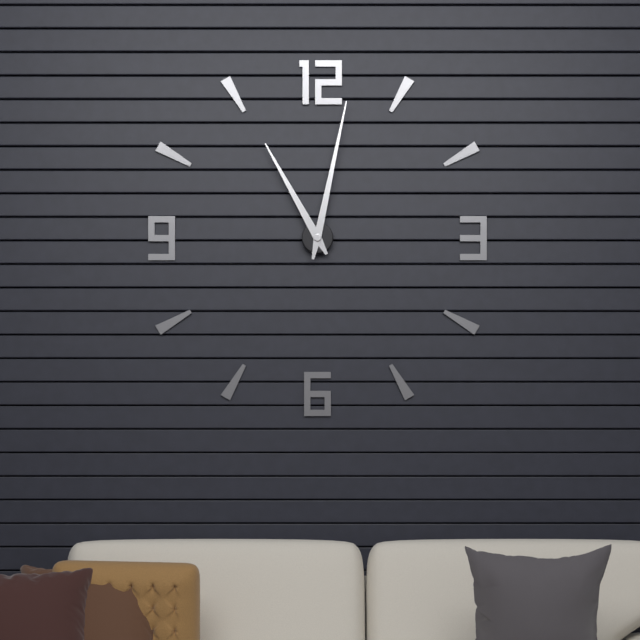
11:02
